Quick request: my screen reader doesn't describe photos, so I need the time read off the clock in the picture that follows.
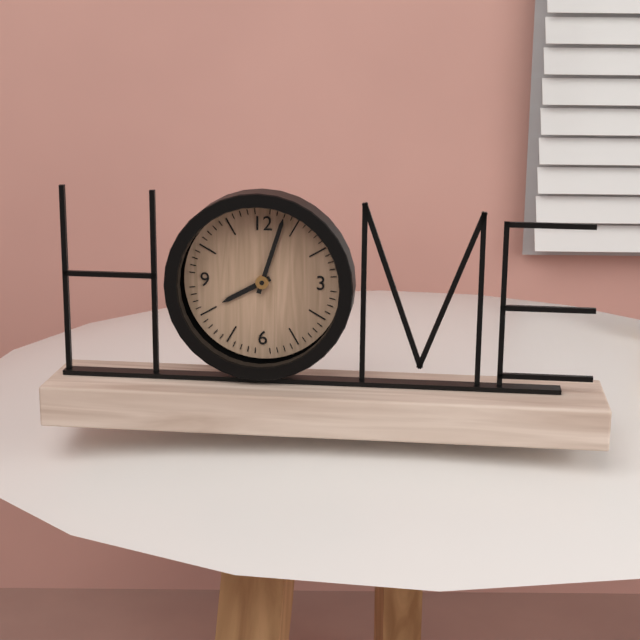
8:03
